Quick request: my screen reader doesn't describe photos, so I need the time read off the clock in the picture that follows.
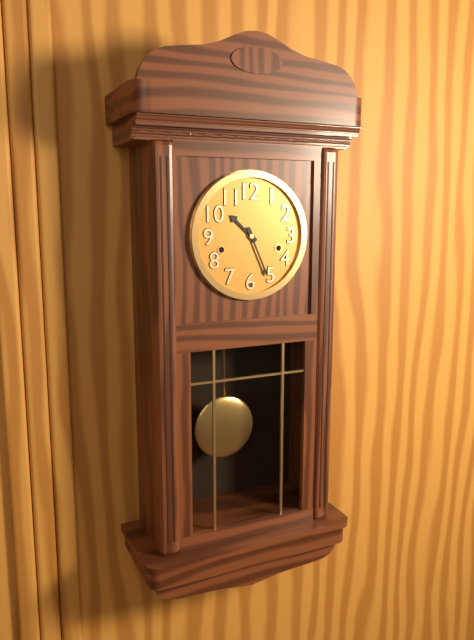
10:26
